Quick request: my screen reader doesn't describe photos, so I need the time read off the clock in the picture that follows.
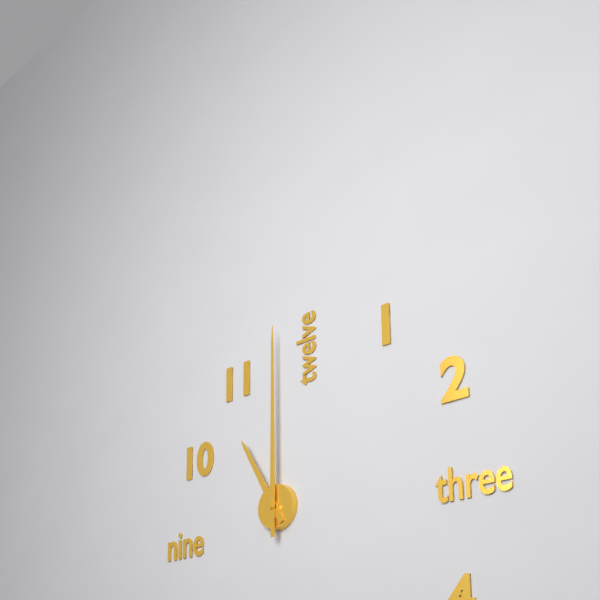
11:00
